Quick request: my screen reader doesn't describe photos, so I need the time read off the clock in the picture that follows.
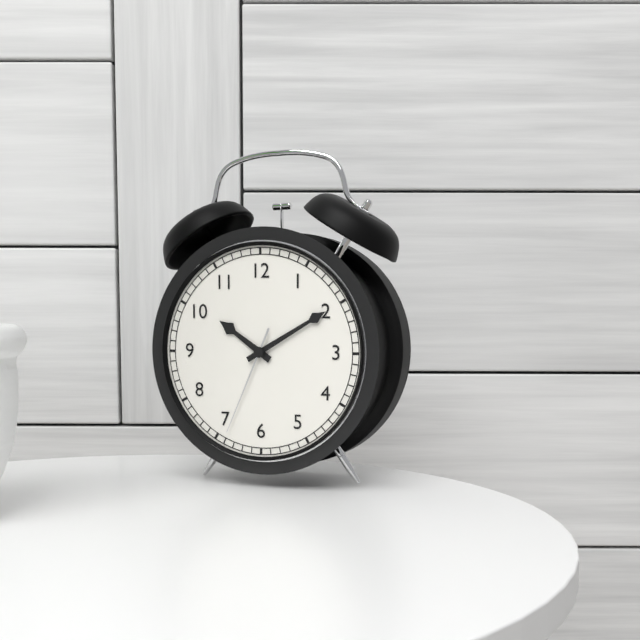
10:10:34
